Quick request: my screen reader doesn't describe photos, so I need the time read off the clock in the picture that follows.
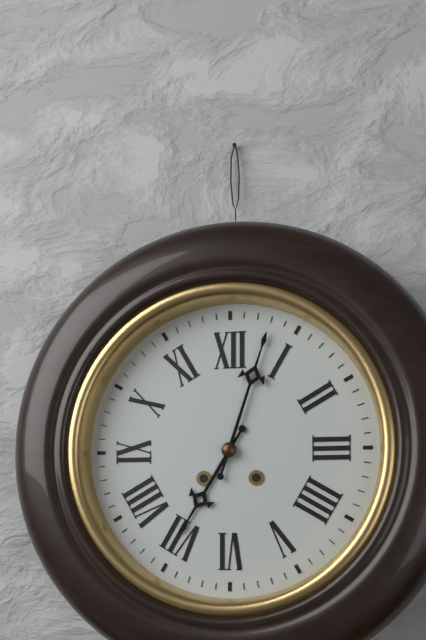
7:03
